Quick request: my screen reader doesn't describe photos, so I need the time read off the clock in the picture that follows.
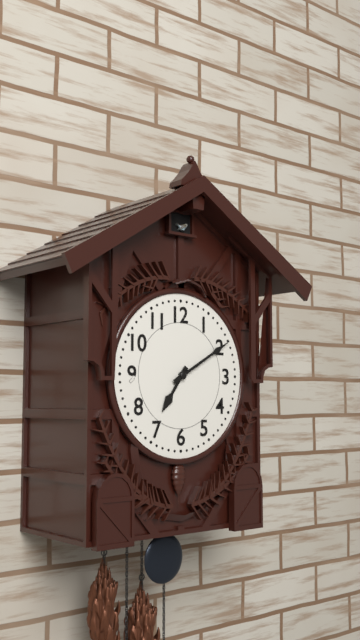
7:10
